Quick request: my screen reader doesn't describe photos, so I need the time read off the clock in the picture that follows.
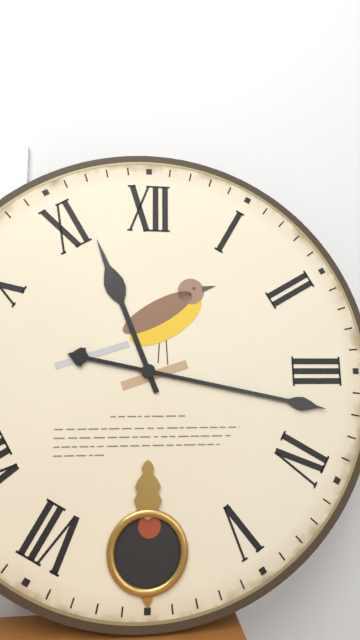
11:17
